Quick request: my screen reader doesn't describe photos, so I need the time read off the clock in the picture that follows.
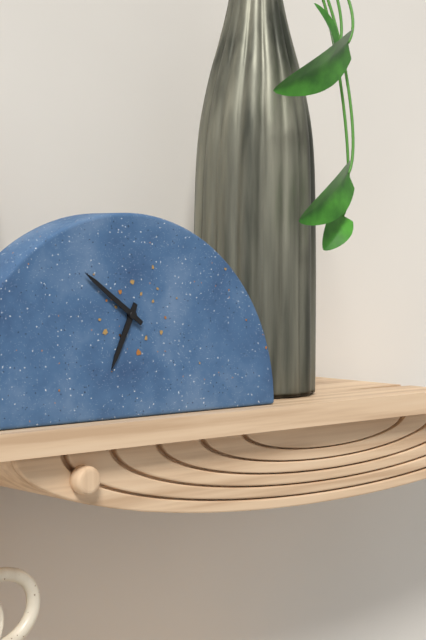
6:51
